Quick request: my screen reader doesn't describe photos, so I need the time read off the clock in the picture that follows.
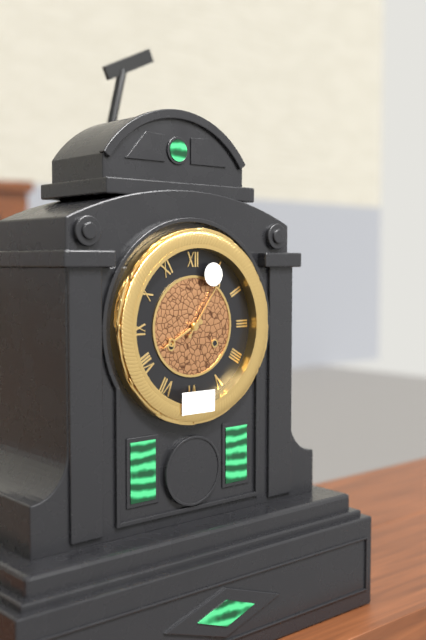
8:06
